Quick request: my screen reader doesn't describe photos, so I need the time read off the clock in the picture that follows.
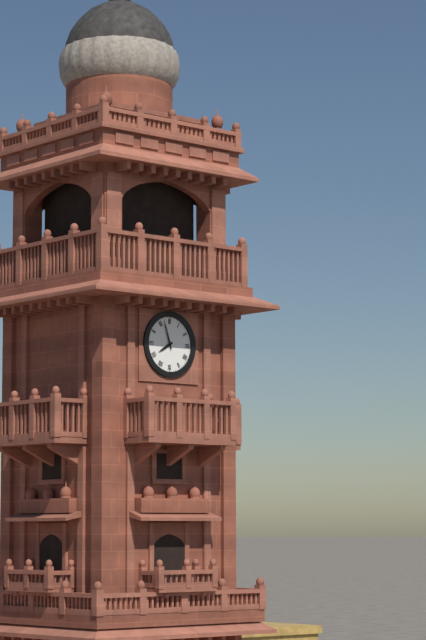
7:57
